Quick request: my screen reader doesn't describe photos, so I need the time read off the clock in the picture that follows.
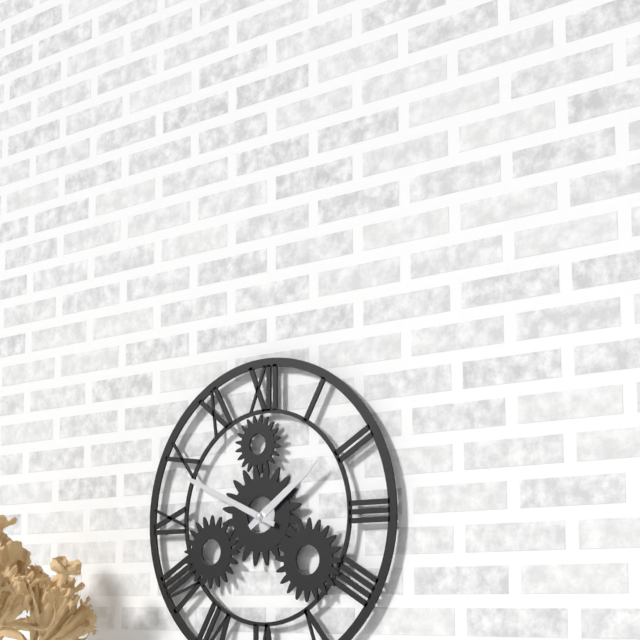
1:49
